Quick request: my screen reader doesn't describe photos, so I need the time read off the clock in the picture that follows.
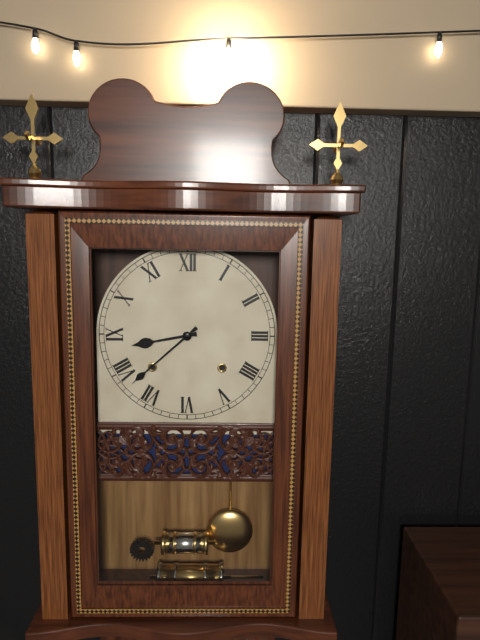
8:38
